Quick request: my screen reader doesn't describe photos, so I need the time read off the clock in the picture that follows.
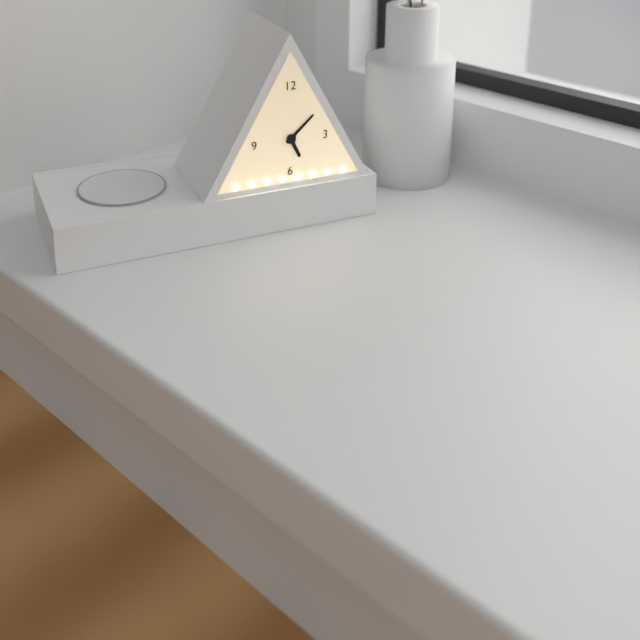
5:08
